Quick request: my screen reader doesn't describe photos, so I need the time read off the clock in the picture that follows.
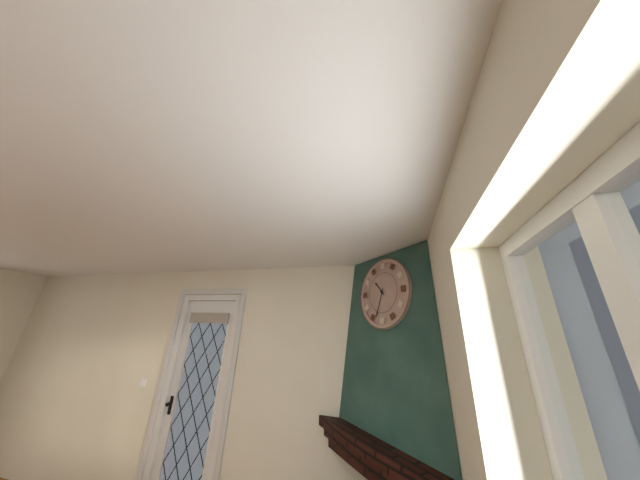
10:33
